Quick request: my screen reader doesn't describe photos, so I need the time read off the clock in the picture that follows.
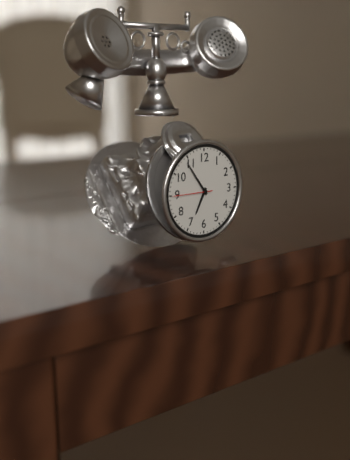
6:54
